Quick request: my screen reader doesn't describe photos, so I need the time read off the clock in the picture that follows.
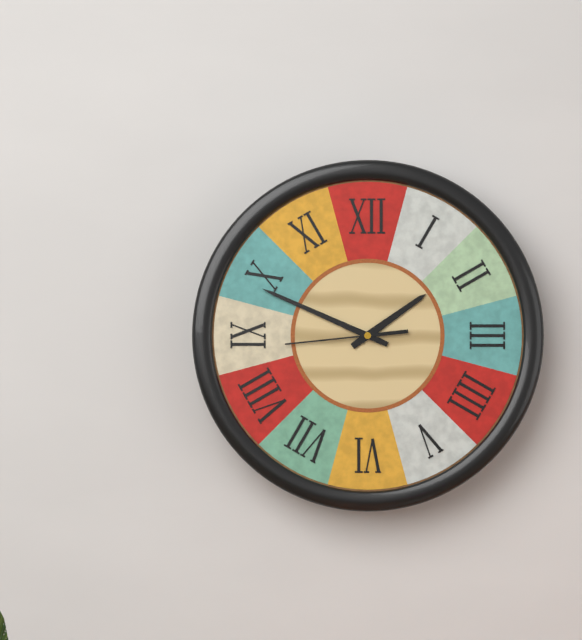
1:49:44
